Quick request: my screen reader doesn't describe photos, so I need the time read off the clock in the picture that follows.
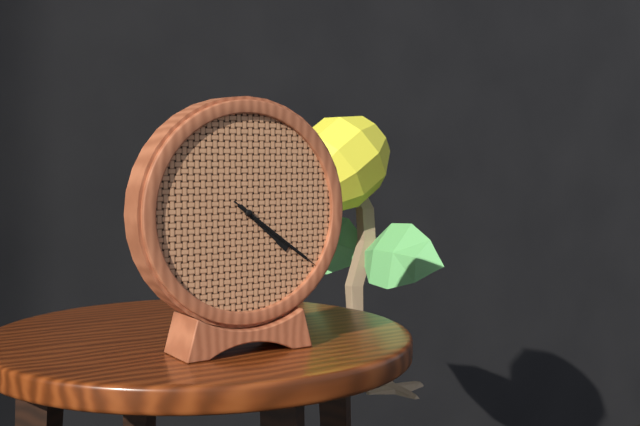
4:21:21
